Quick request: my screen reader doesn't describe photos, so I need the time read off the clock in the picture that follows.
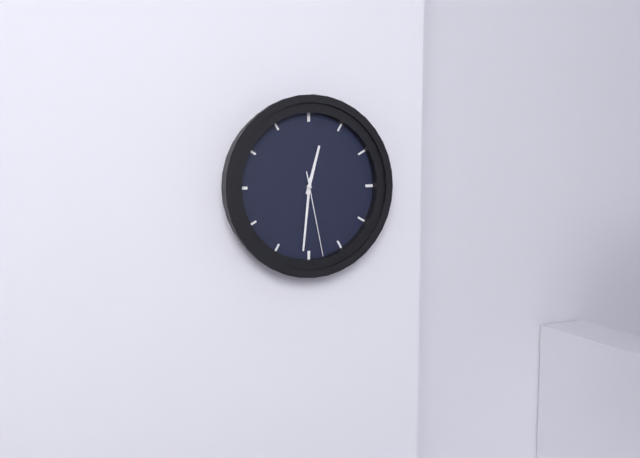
12:31:28
